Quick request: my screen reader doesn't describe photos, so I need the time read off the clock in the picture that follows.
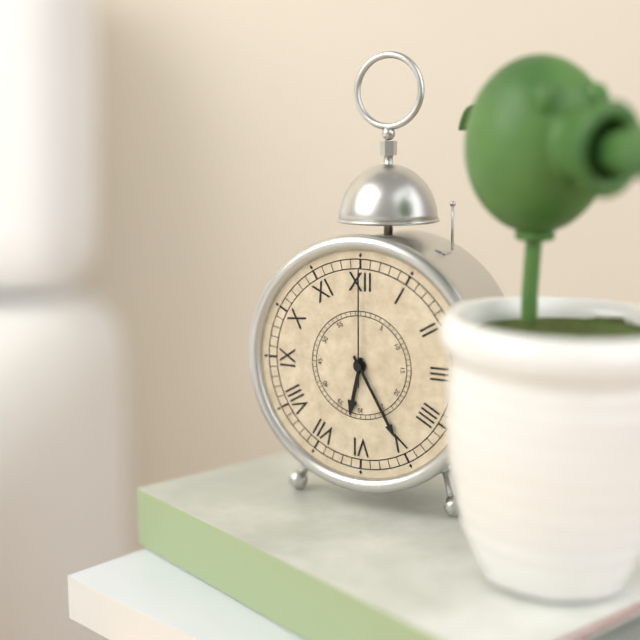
6:25:00
